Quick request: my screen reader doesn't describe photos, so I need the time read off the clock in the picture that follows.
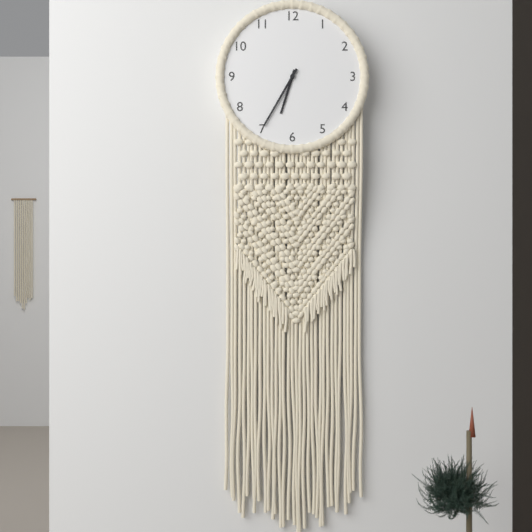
6:35
